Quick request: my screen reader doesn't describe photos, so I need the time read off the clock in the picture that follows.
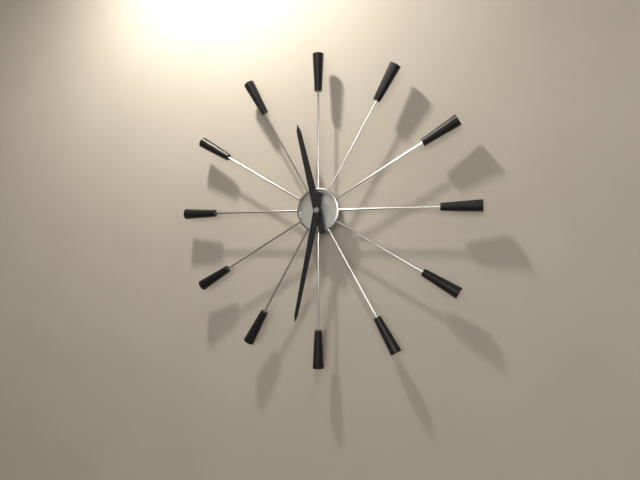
11:32
